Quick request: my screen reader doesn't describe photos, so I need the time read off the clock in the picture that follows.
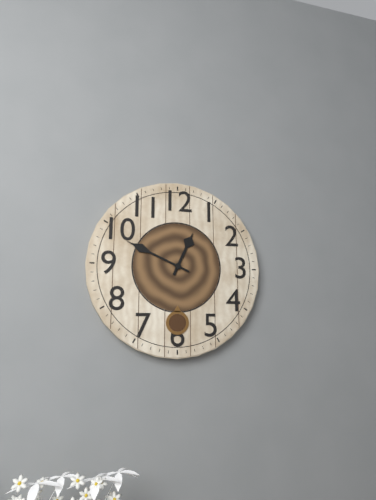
12:49
